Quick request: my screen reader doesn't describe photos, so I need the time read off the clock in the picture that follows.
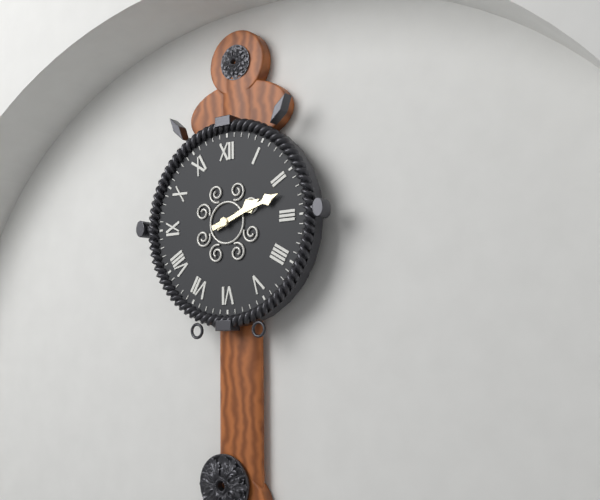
2:12
